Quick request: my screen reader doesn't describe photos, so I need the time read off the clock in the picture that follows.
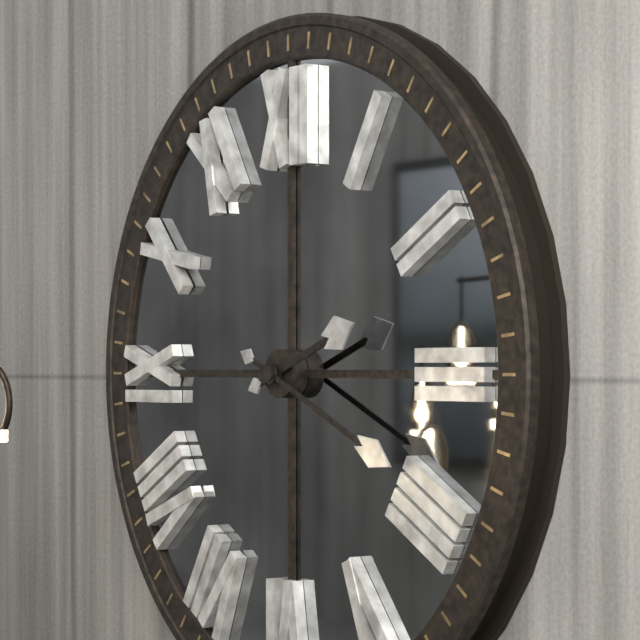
2:19
